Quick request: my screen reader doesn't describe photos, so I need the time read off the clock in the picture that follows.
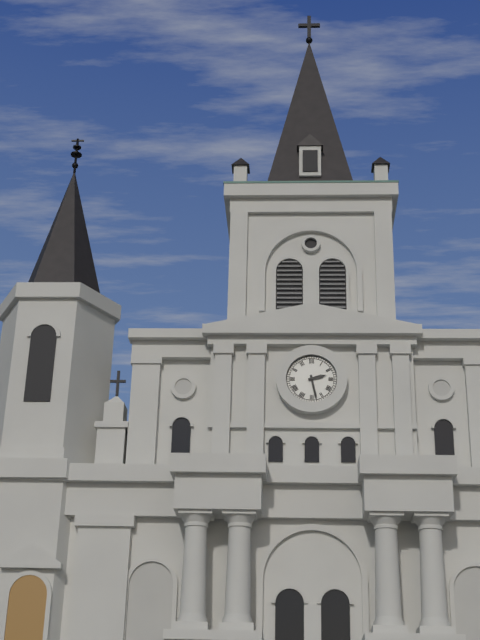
2:28
